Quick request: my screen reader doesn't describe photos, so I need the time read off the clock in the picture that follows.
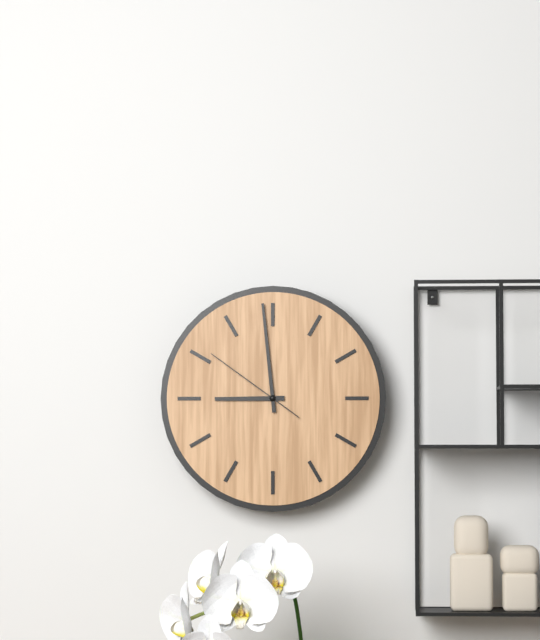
8:59:51
